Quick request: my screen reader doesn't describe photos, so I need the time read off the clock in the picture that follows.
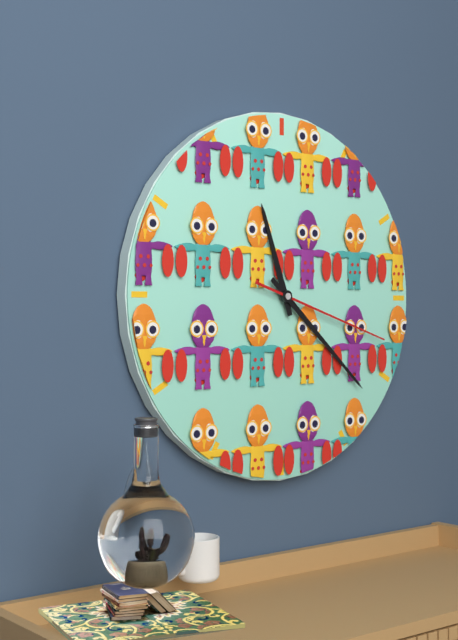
11:22:18
